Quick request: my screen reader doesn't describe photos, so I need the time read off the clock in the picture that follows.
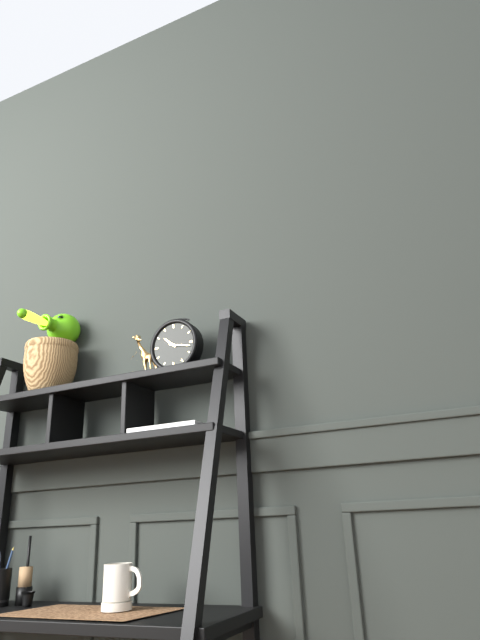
10:17
